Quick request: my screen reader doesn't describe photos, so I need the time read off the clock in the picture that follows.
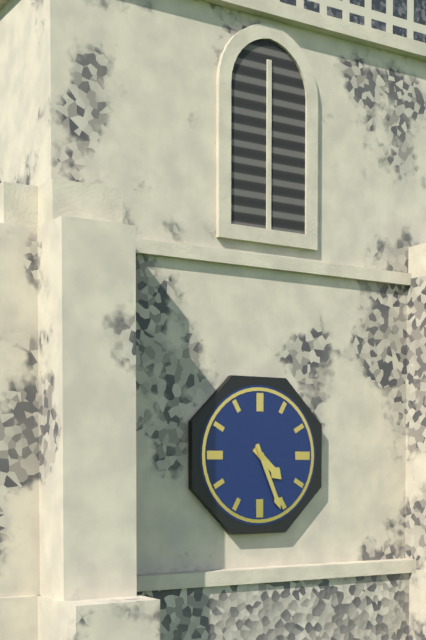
4:26
